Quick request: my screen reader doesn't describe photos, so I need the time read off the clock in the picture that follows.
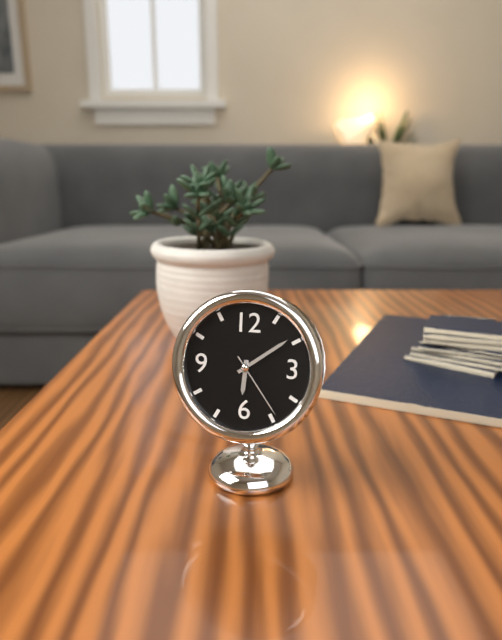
6:09:24
